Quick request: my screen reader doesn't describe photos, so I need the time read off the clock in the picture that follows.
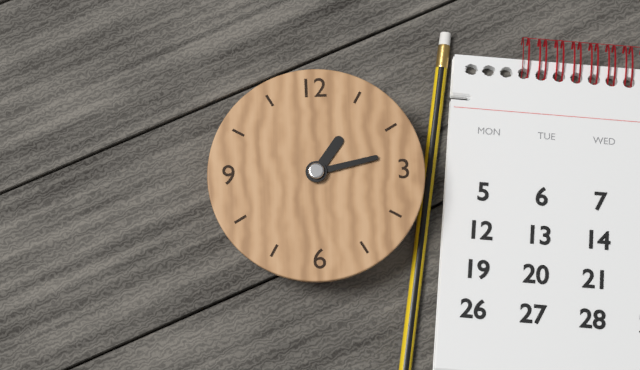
1:13
